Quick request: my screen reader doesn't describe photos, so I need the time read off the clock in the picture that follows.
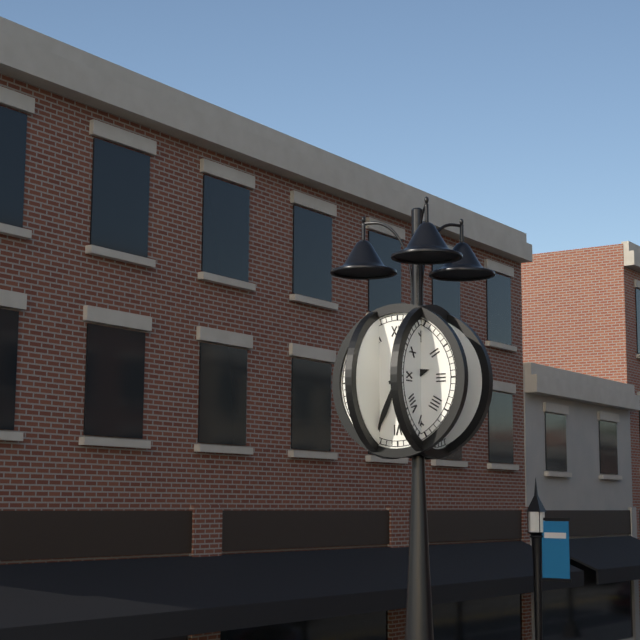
2:34
